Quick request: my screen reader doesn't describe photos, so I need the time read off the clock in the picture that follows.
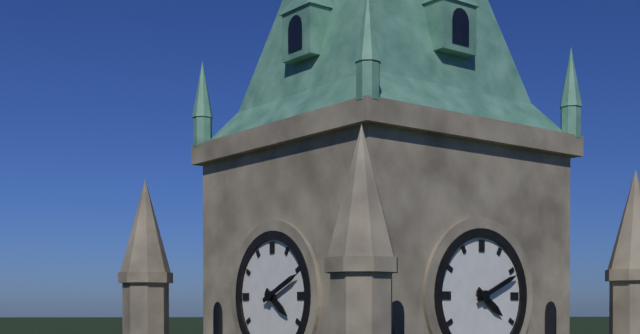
4:11
